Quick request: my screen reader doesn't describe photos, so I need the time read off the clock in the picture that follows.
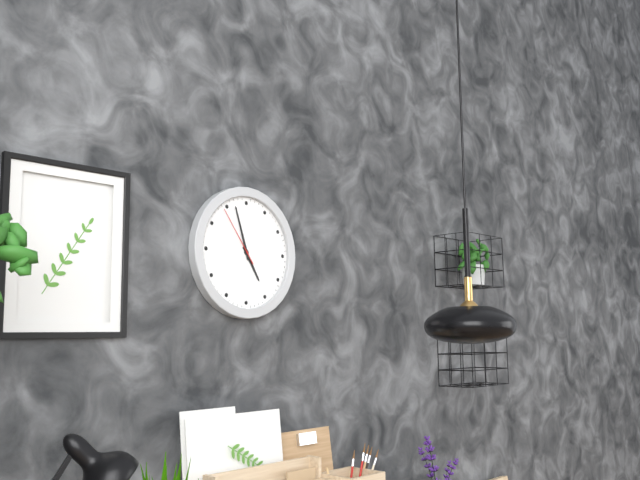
4:57:54
